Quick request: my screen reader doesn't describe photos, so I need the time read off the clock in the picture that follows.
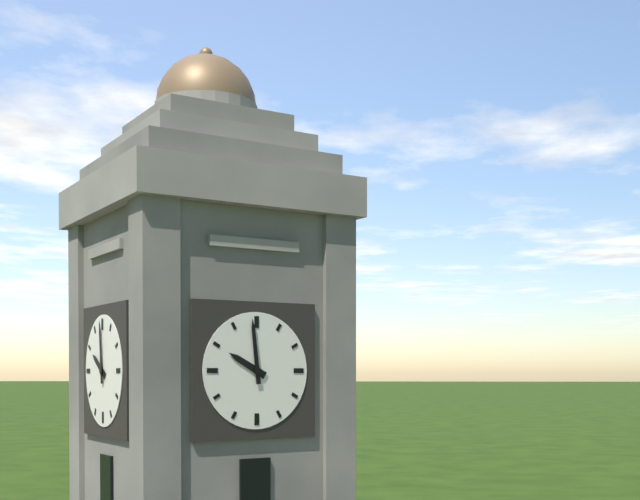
9:59
